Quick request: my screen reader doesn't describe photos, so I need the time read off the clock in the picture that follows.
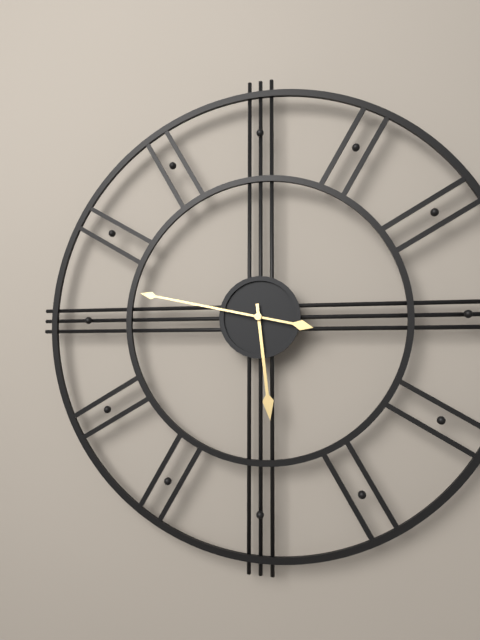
5:47
